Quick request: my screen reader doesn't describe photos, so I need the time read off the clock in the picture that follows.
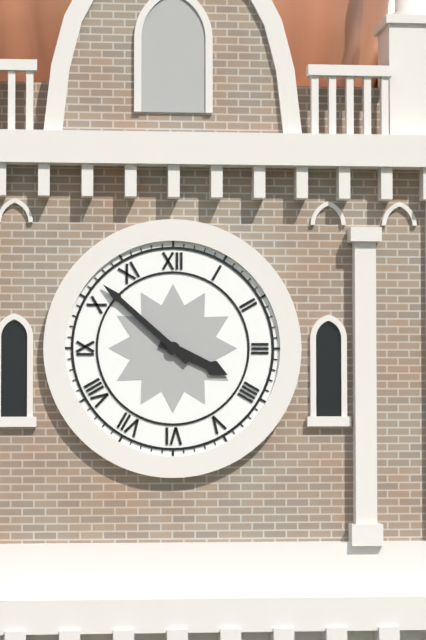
3:52
